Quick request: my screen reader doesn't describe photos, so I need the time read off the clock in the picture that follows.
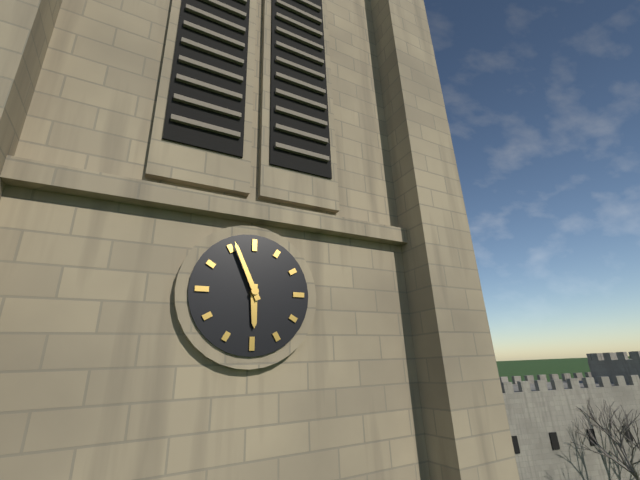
5:56
